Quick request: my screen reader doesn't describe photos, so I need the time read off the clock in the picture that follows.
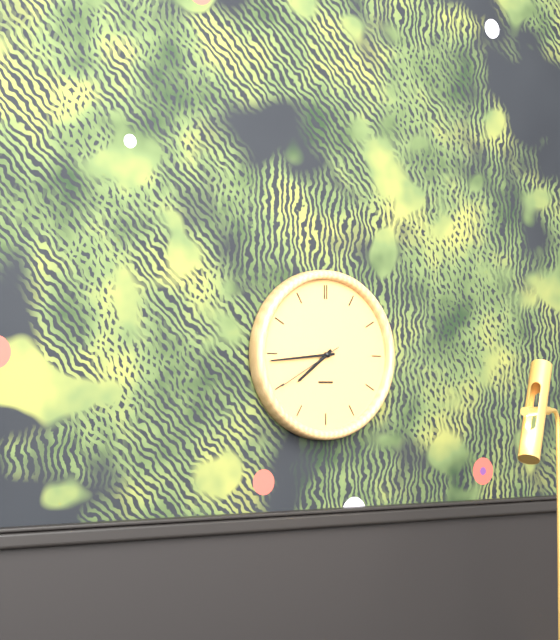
7:44:40
